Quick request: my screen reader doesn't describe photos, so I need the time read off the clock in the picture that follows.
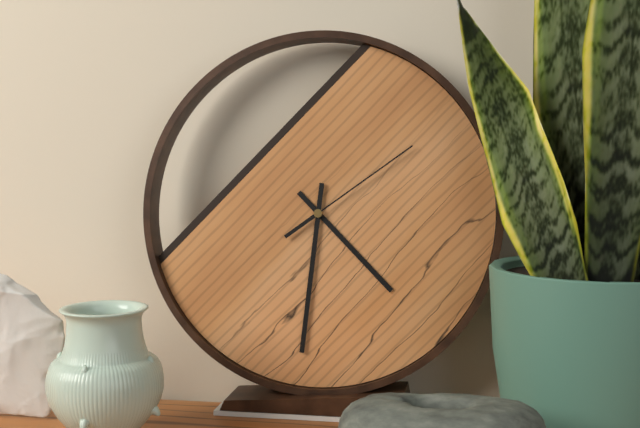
4:31:09
